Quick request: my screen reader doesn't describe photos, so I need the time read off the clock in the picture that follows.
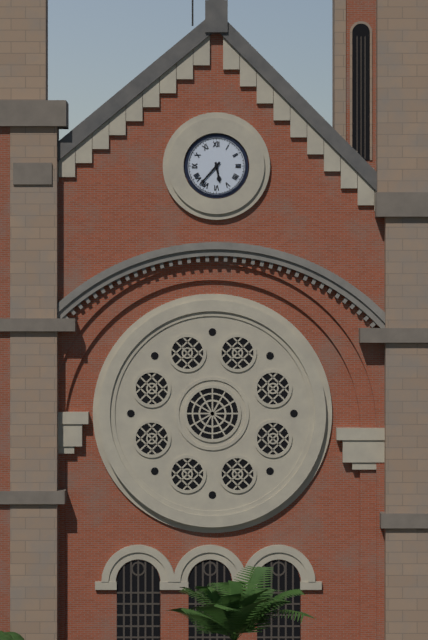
5:37
